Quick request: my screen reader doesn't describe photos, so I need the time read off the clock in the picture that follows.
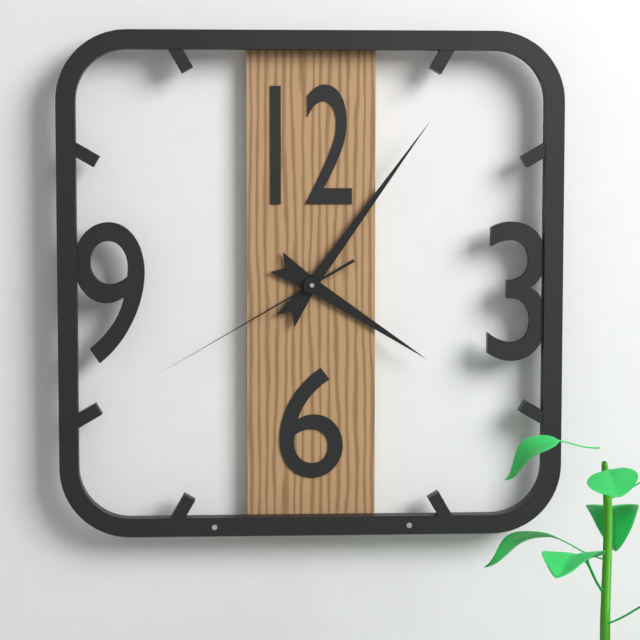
4:06:40
